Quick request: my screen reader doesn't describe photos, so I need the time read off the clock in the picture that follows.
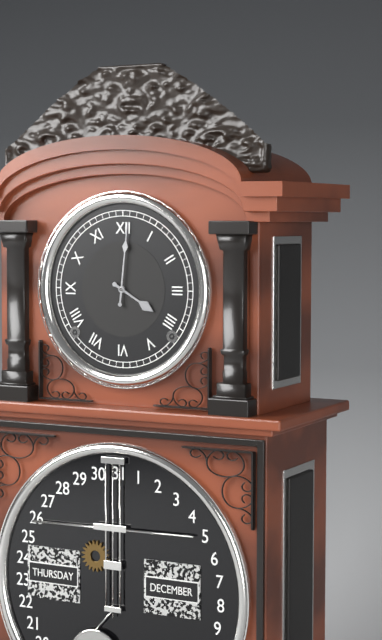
4:01
